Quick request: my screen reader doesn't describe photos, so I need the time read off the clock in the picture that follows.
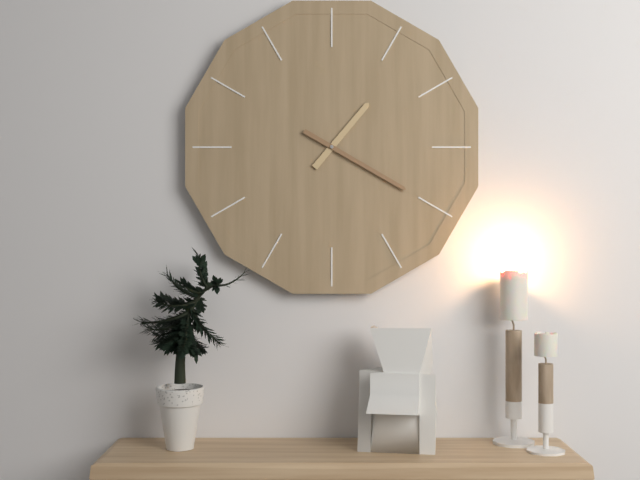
1:20
